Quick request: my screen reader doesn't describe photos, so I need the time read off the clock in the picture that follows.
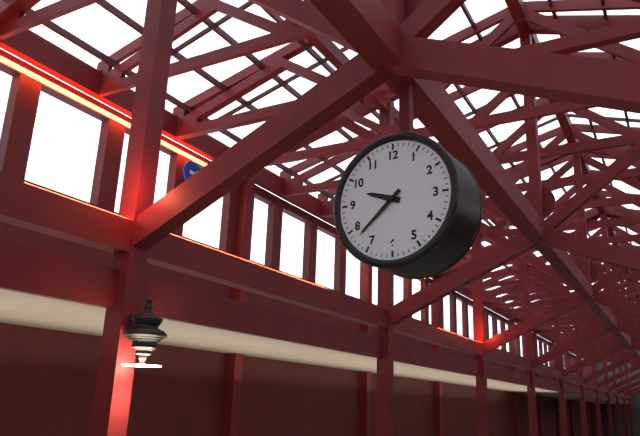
9:38
